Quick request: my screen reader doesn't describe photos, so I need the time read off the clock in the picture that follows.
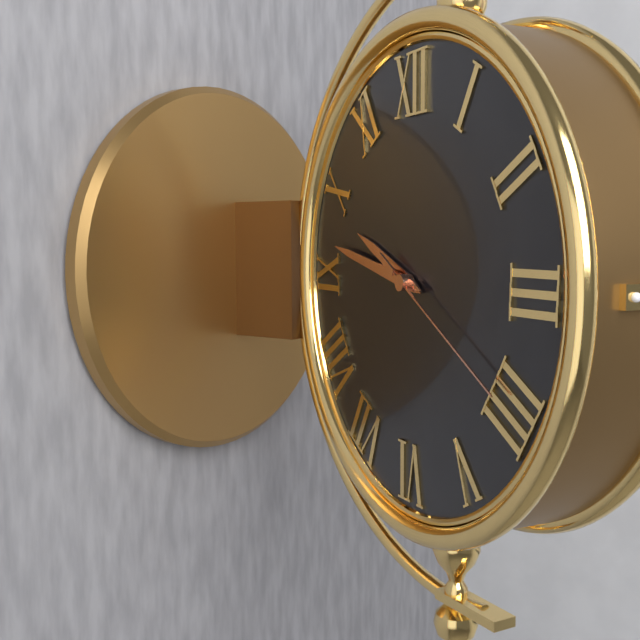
9:47:20
